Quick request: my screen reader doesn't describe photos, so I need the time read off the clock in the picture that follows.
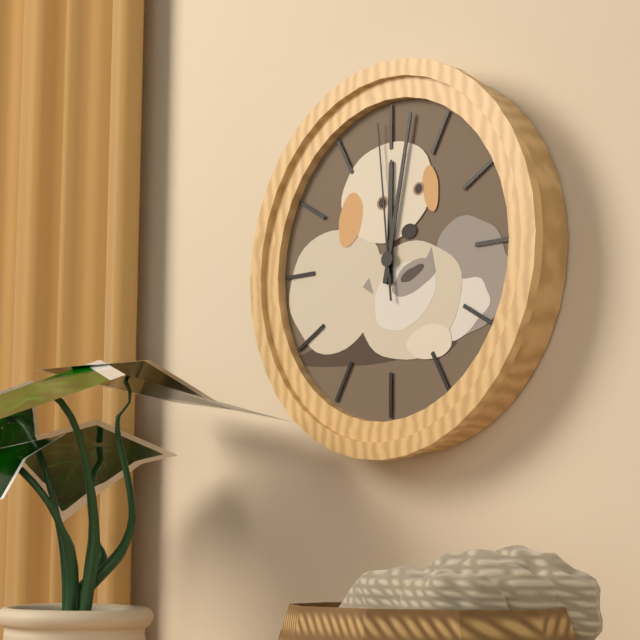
12:02:59
